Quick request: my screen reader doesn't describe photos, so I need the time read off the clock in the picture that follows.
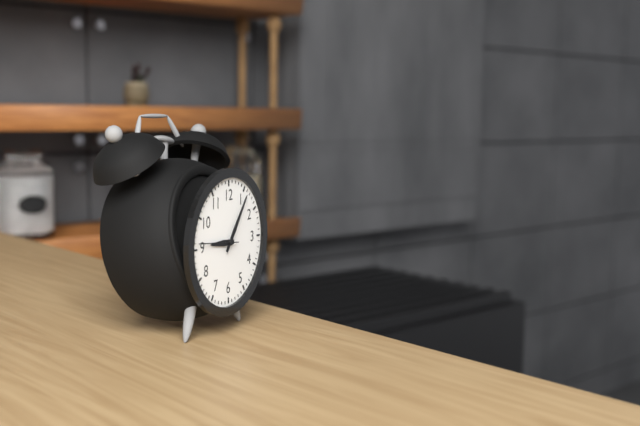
9:06
